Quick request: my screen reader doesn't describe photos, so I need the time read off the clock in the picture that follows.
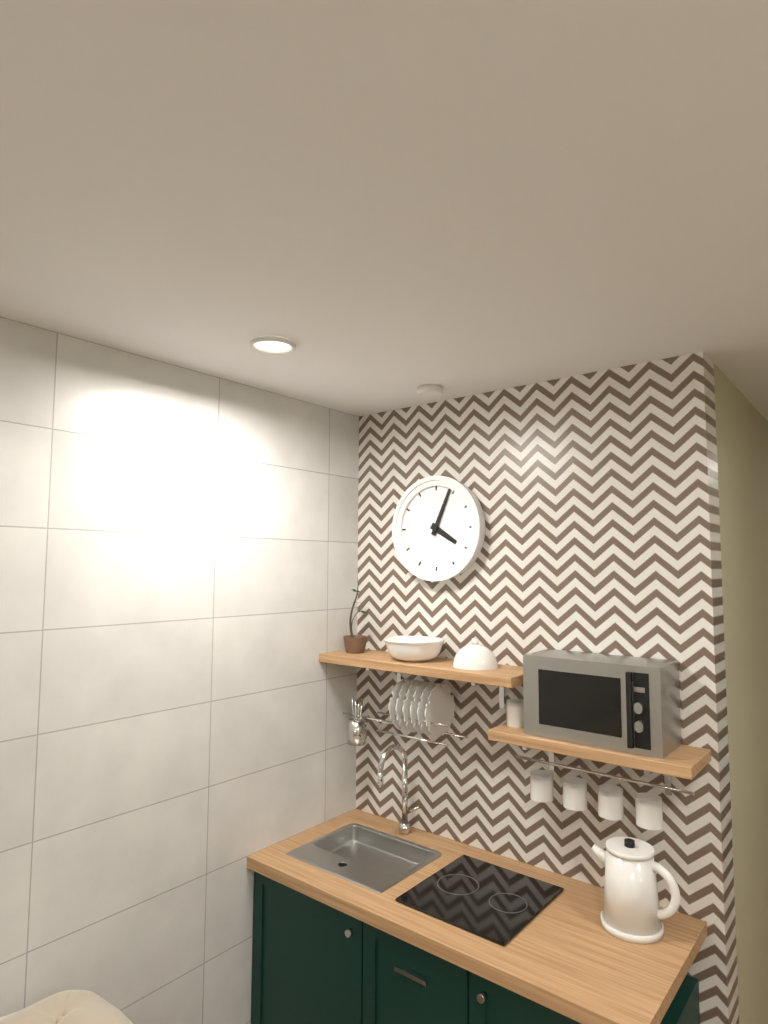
4:04
